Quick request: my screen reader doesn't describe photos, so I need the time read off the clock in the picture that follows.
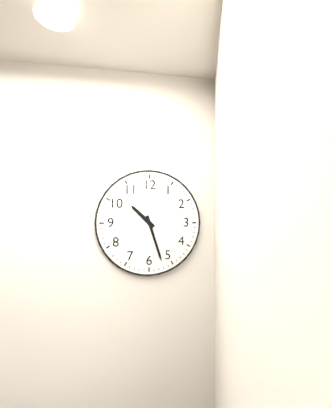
10:27
